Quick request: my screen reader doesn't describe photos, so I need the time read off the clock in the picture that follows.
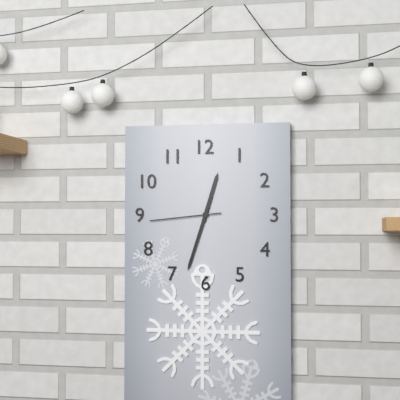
12:33:44
